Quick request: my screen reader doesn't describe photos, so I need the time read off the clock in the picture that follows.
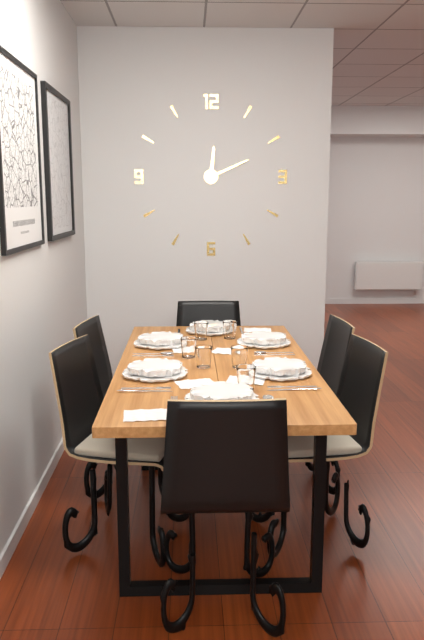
12:11
